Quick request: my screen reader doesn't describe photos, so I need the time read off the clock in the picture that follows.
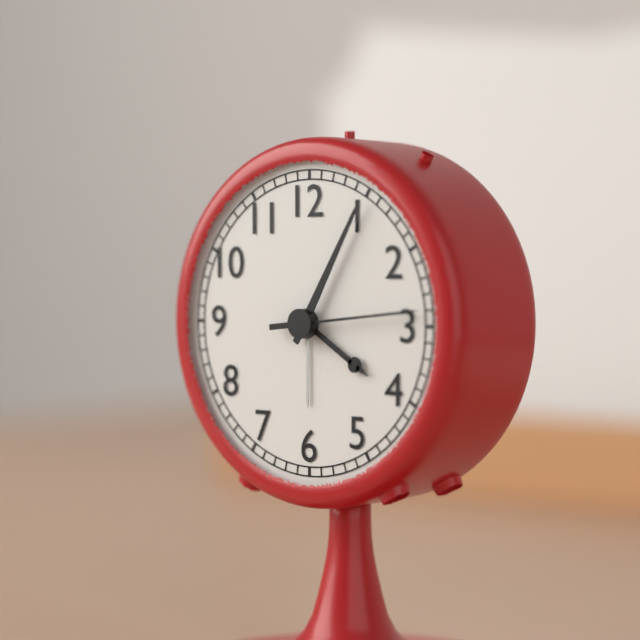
4:05:14
